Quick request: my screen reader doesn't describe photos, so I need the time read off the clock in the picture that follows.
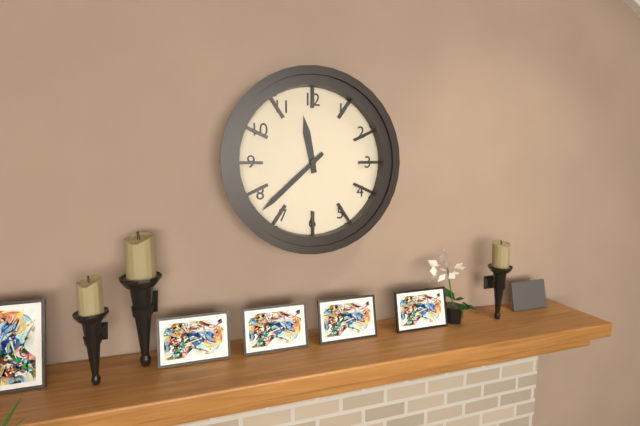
11:38
